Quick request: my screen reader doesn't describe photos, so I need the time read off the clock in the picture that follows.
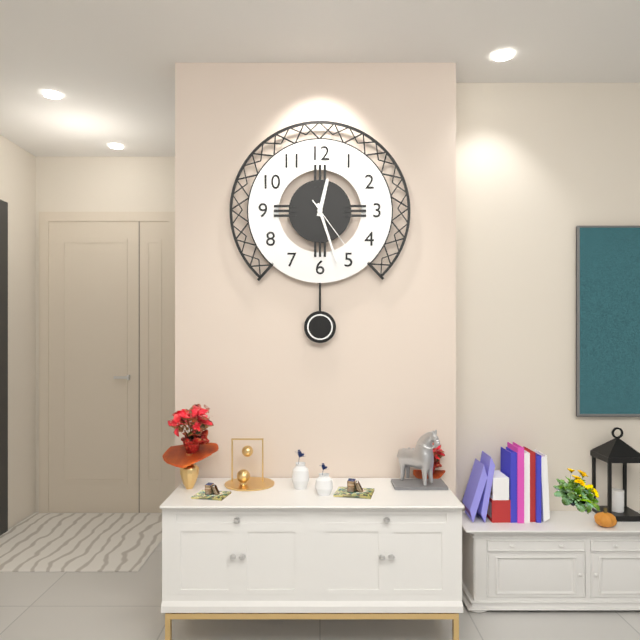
12:27:24
